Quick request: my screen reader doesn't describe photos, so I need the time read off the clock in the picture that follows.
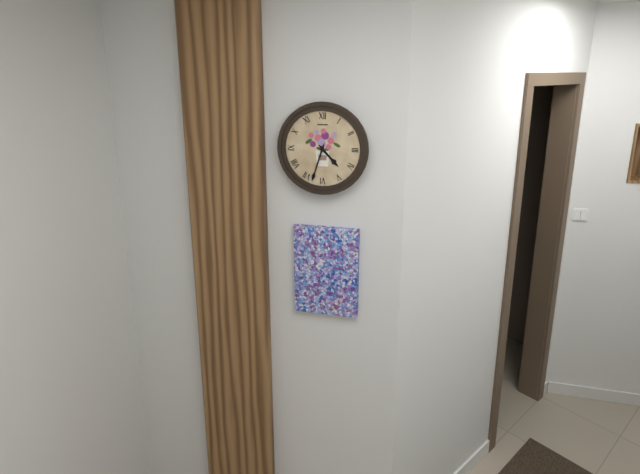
4:33
